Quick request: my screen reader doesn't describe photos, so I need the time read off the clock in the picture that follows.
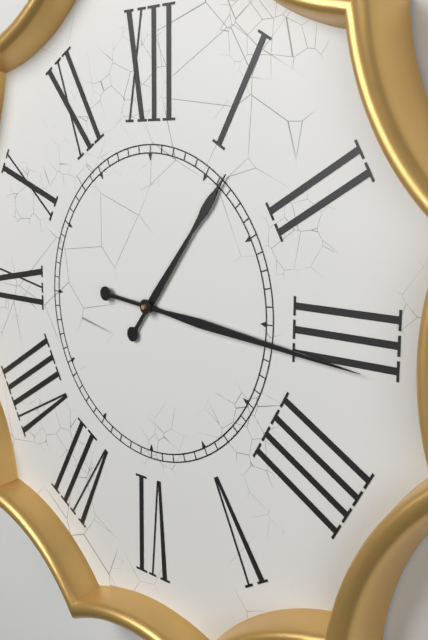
1:16
